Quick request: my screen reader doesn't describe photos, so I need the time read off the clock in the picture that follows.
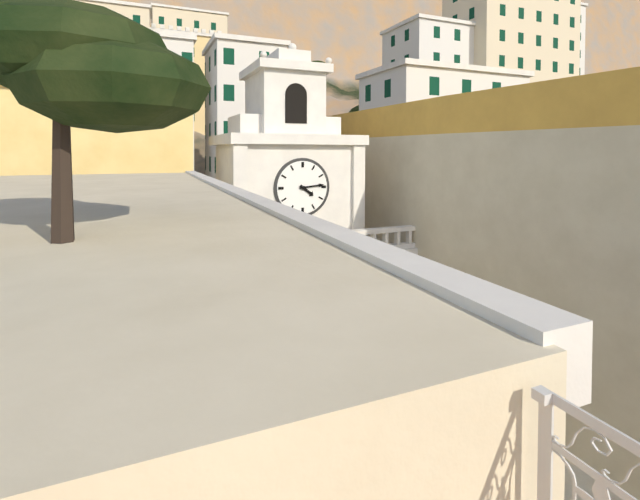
4:14
